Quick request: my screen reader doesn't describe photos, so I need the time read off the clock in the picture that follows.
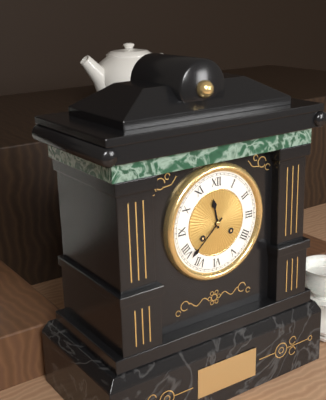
11:38
